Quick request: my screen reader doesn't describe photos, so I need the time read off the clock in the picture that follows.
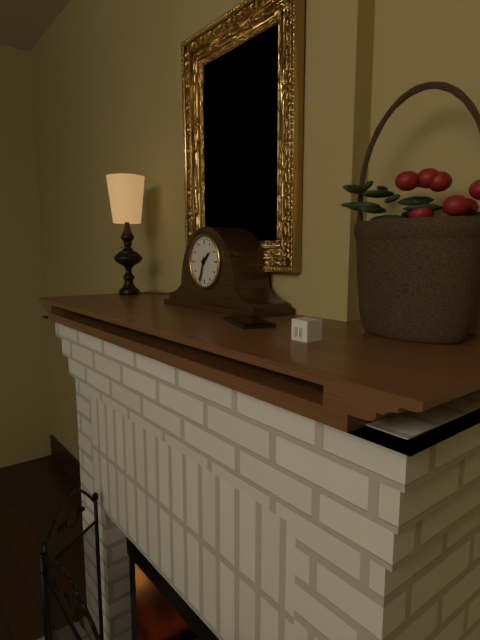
1:33
